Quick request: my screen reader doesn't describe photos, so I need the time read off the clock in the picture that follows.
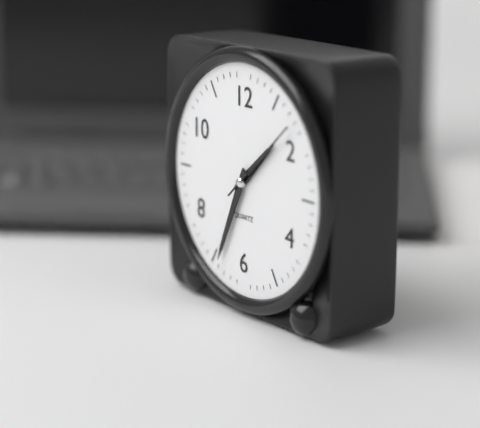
1:34:08
